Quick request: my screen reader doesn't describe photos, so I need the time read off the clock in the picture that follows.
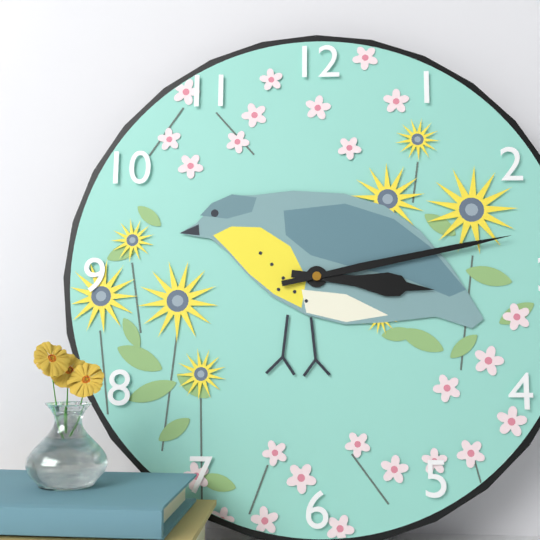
3:13
